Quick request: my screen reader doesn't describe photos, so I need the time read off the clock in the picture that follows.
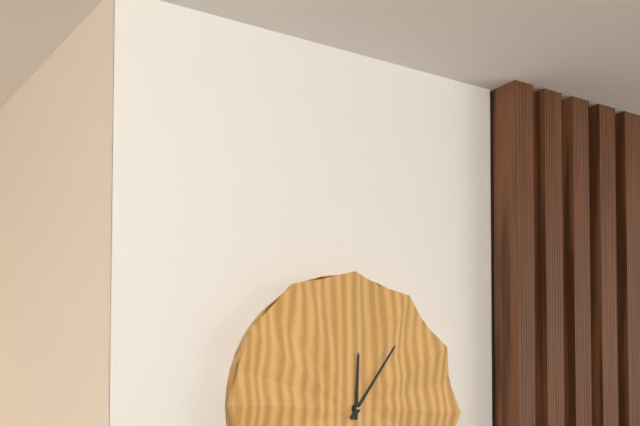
12:06
